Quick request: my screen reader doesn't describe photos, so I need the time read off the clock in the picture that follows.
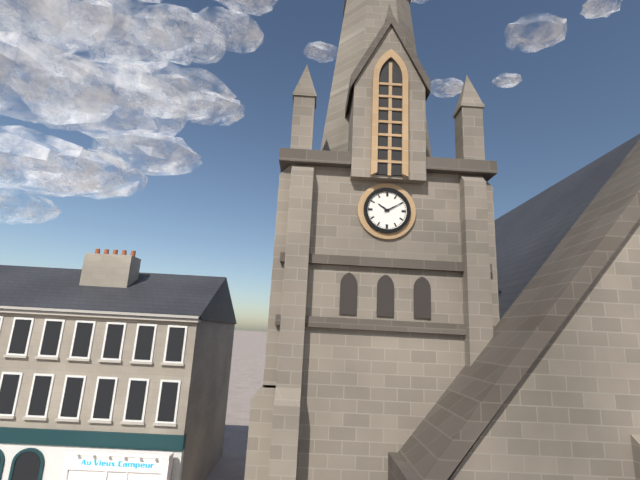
10:10
